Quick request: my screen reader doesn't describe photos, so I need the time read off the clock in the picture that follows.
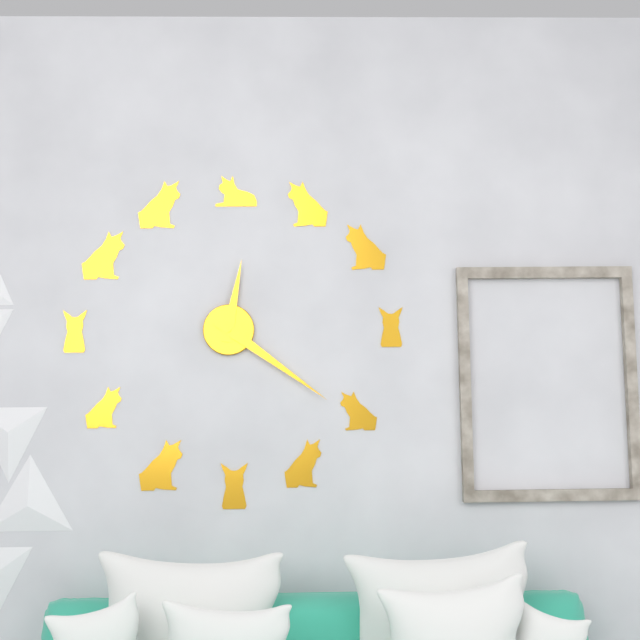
12:21
